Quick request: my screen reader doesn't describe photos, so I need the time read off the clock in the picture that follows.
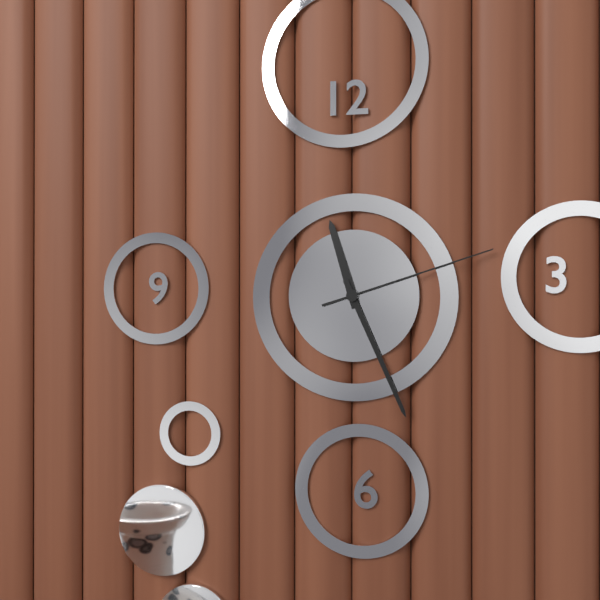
11:26:12
